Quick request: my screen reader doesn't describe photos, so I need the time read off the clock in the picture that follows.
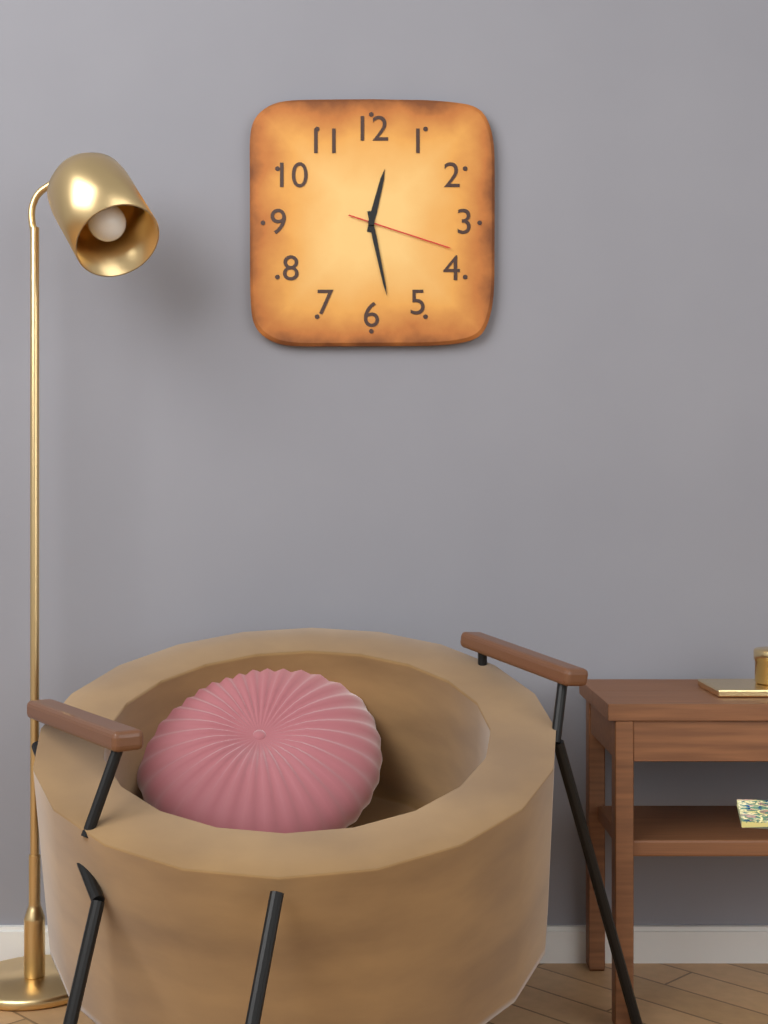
12:28:18
